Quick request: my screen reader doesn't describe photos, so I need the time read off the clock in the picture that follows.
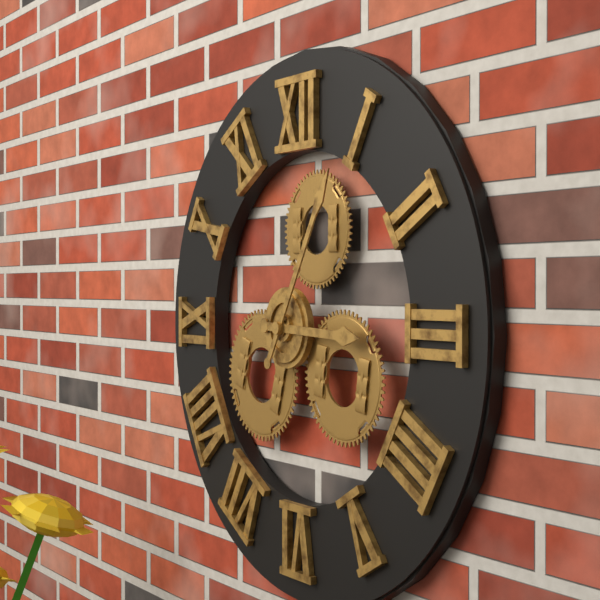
3:05
